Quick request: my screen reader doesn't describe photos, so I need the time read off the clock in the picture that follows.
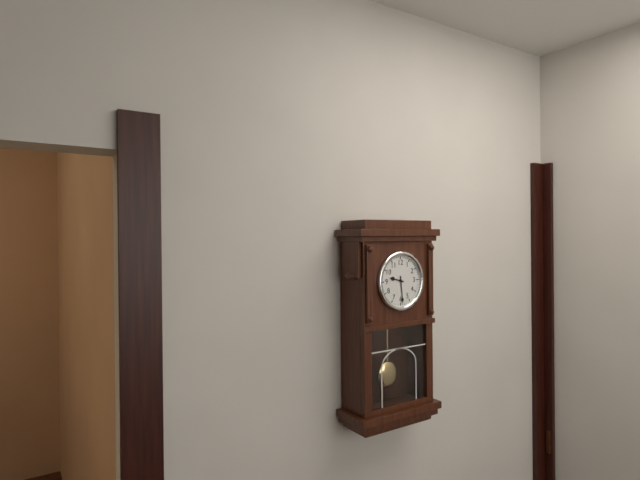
9:29
